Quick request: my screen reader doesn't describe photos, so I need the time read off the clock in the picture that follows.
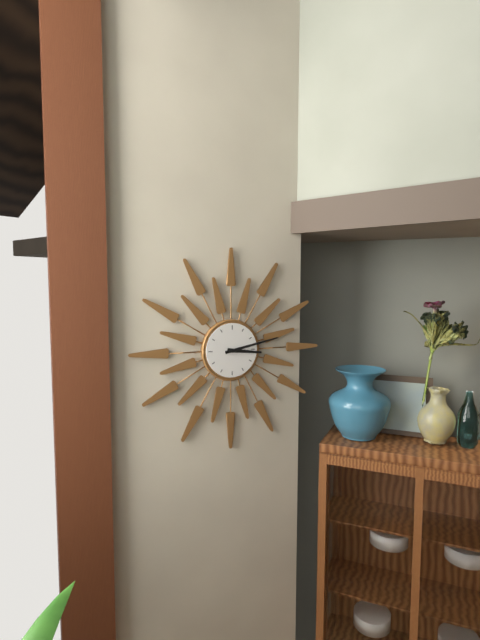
3:13
